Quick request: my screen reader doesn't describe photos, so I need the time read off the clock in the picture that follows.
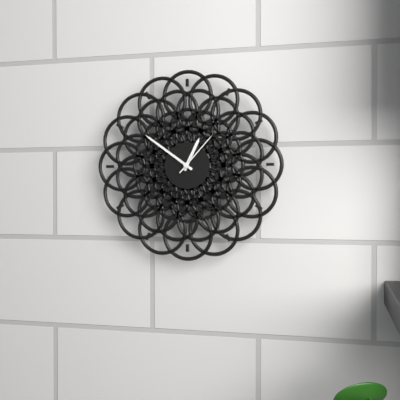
12:51
